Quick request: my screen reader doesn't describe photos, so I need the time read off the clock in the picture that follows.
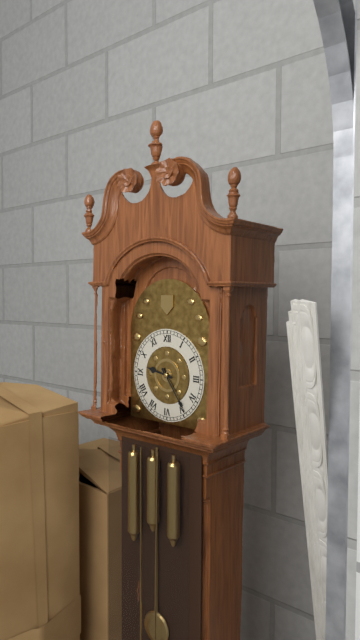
9:24
